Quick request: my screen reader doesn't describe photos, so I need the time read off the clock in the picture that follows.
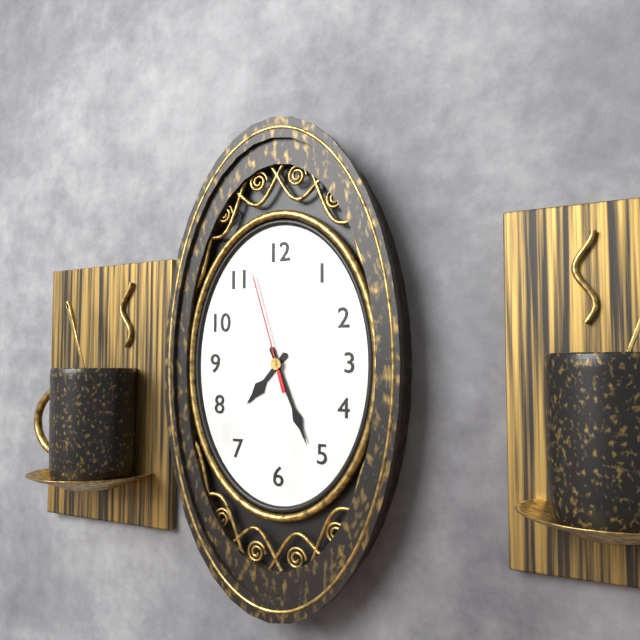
7:26:57
